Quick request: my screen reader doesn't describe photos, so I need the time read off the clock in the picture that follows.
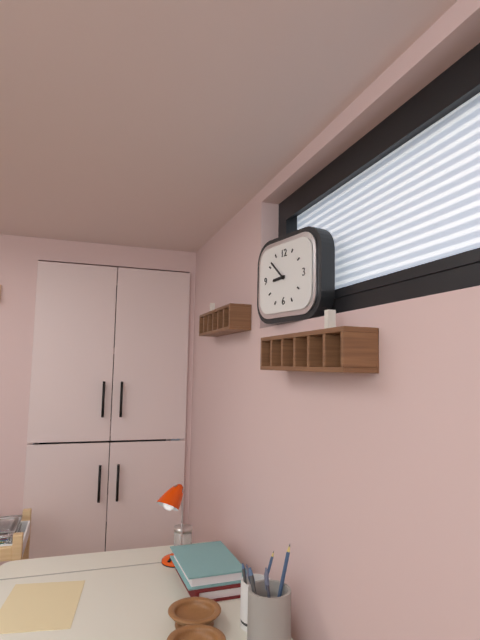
8:52
